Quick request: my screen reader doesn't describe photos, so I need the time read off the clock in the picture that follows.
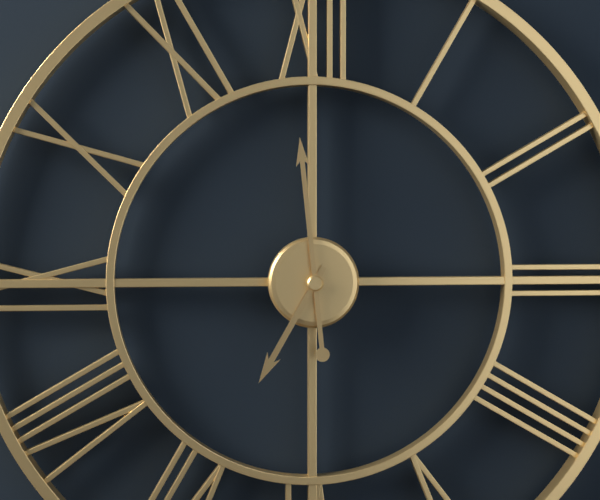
6:59
